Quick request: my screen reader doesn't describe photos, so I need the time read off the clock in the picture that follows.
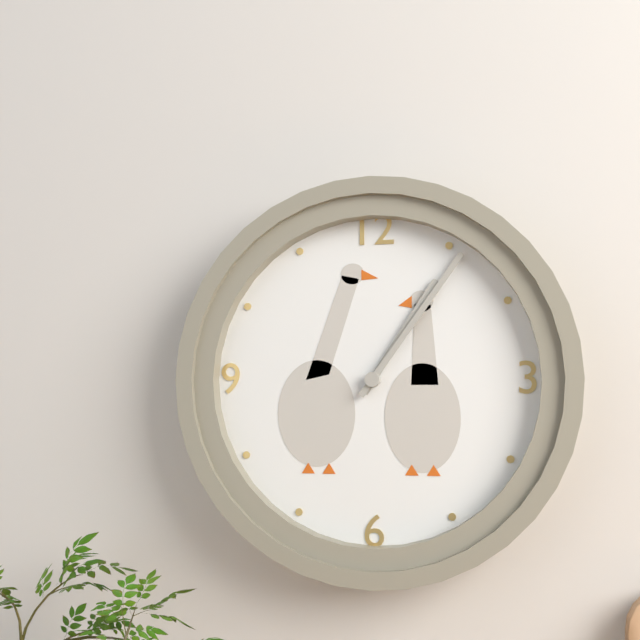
1:06
